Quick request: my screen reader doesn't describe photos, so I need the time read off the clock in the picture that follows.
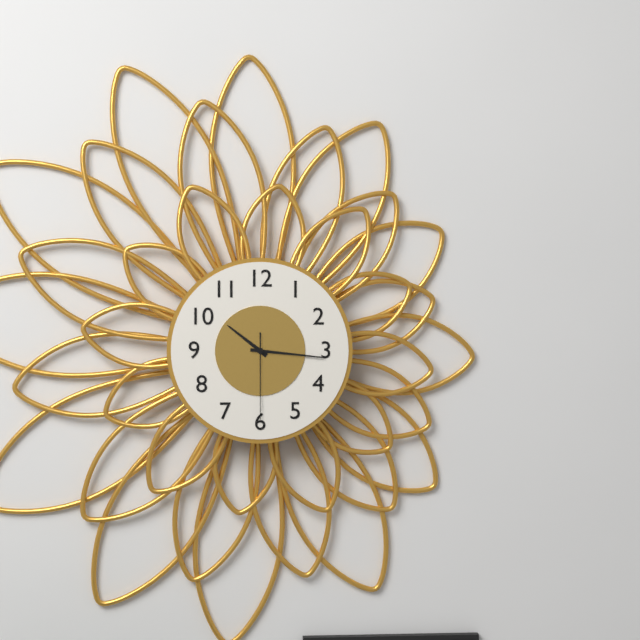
10:16:30
